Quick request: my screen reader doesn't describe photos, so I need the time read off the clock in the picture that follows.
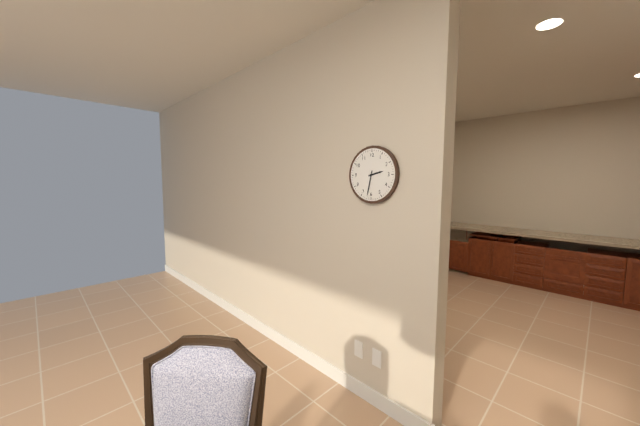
2:32
